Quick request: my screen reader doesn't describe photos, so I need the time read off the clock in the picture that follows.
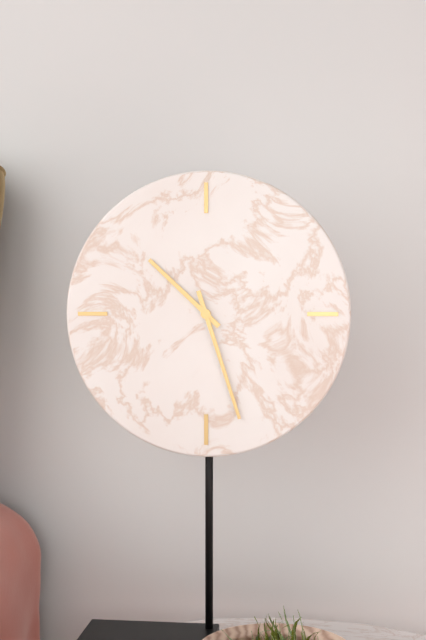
10:27
